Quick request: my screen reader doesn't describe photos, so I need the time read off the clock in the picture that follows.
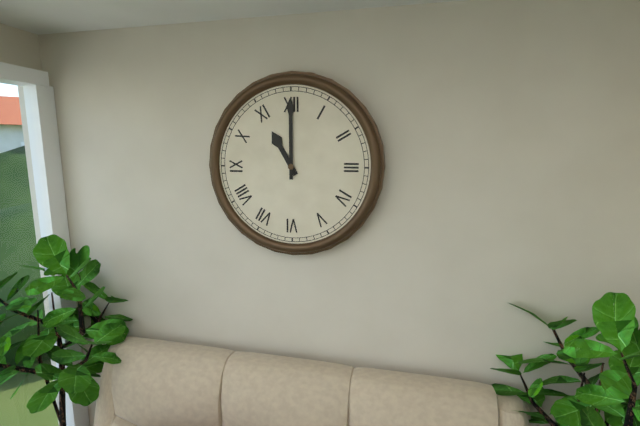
11:00
